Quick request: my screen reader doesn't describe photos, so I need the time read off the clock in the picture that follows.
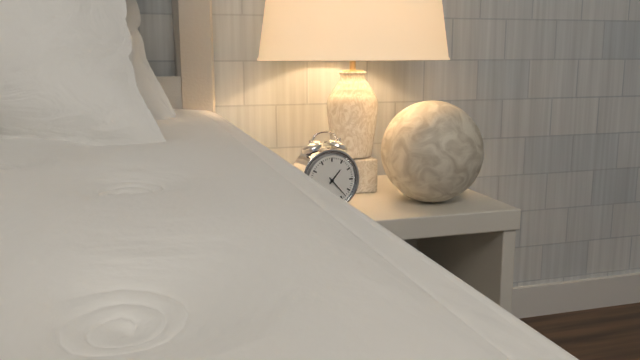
1:23
